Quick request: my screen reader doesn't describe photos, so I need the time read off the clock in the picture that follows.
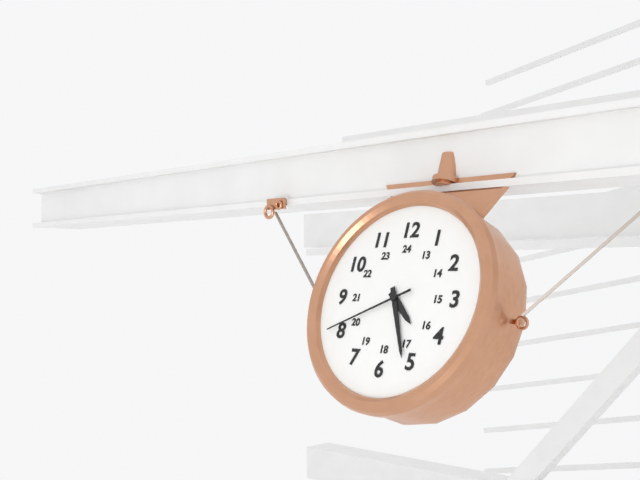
4:26:41
